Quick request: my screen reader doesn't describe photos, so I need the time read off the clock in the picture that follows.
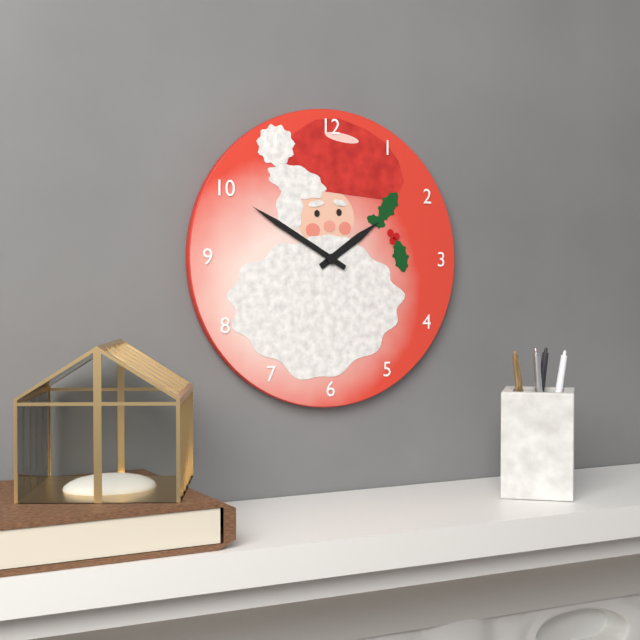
1:50
